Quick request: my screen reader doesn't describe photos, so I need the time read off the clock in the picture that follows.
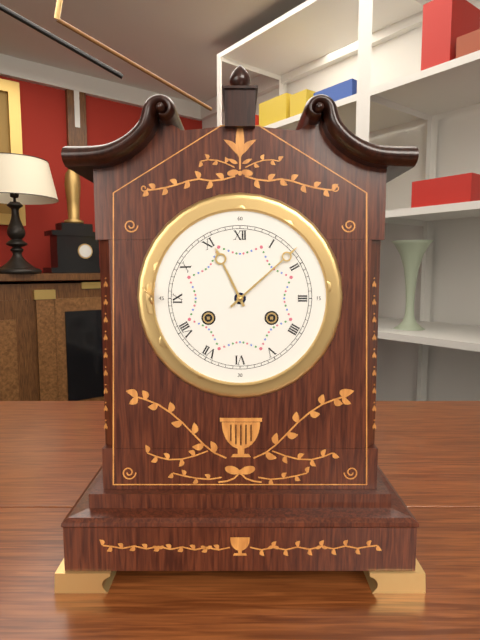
11:08
